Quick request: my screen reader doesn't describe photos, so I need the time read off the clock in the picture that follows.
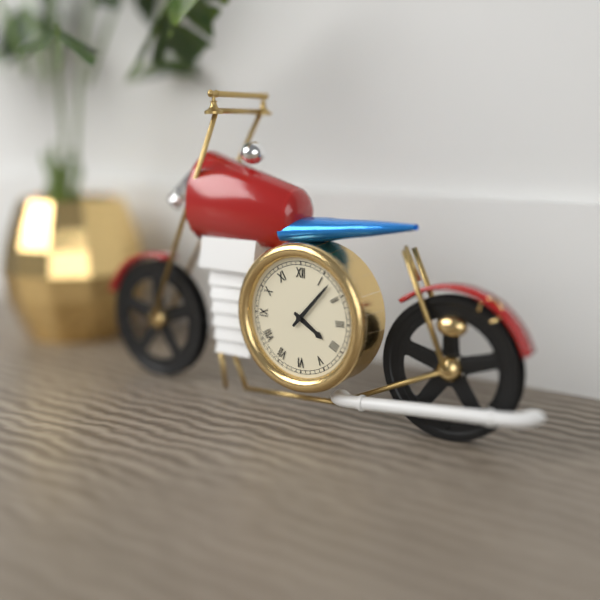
4:07
